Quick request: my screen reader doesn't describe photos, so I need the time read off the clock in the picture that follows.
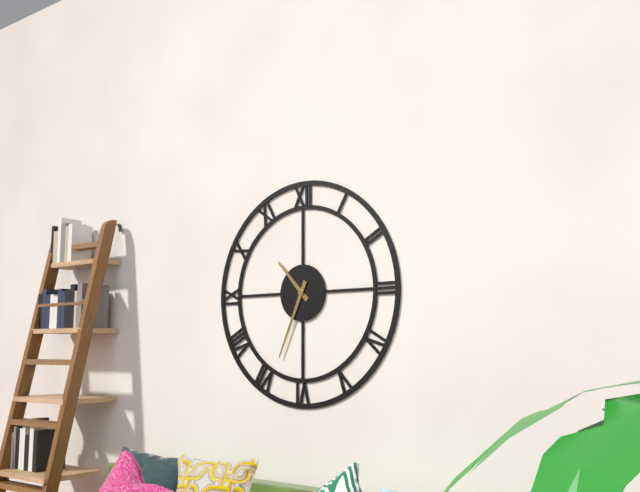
10:34
